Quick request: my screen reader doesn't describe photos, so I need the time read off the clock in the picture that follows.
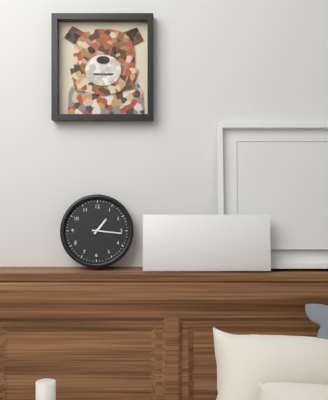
1:16
